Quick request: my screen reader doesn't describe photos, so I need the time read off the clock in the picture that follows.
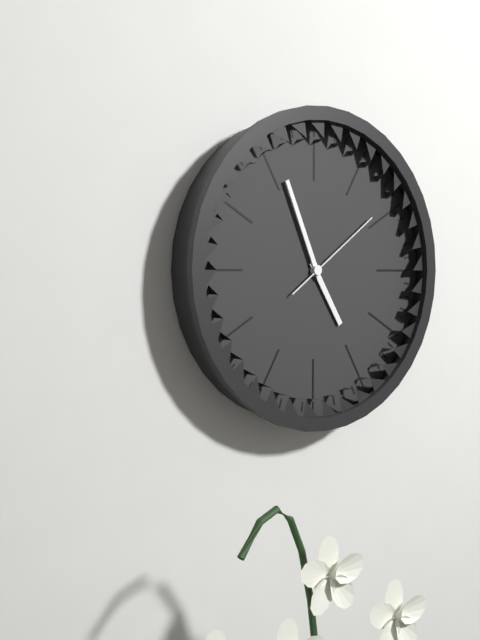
4:56:09
